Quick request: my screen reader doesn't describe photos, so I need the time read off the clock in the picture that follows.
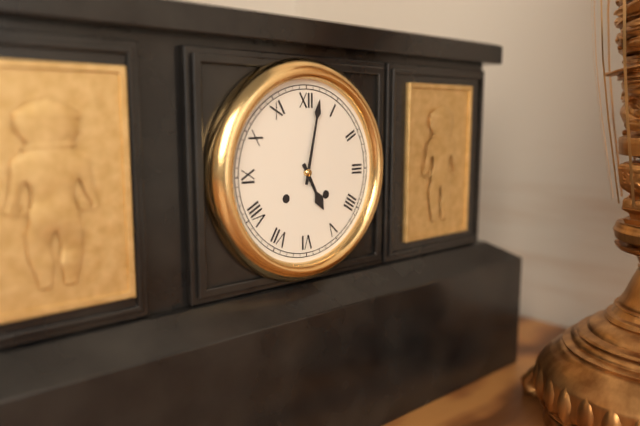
5:02
